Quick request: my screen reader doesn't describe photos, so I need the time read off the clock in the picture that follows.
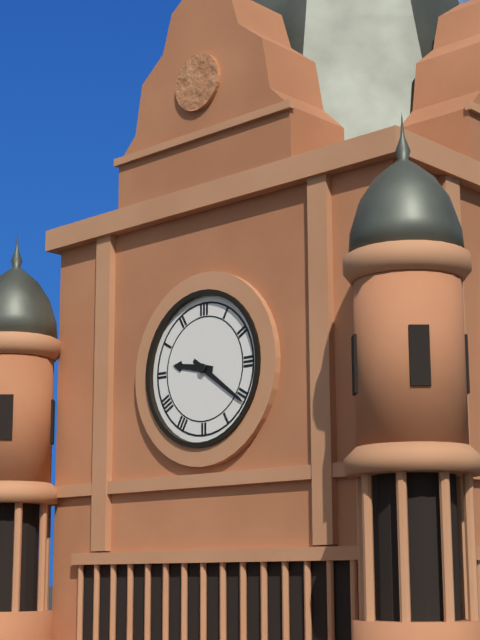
9:21
